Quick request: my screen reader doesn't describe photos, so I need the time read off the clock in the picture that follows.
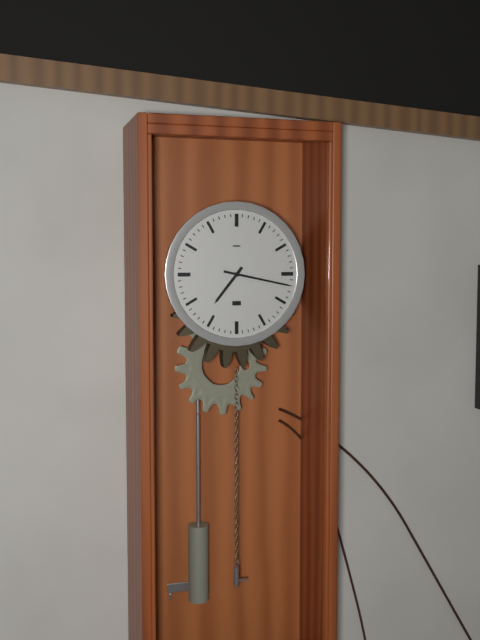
7:17
